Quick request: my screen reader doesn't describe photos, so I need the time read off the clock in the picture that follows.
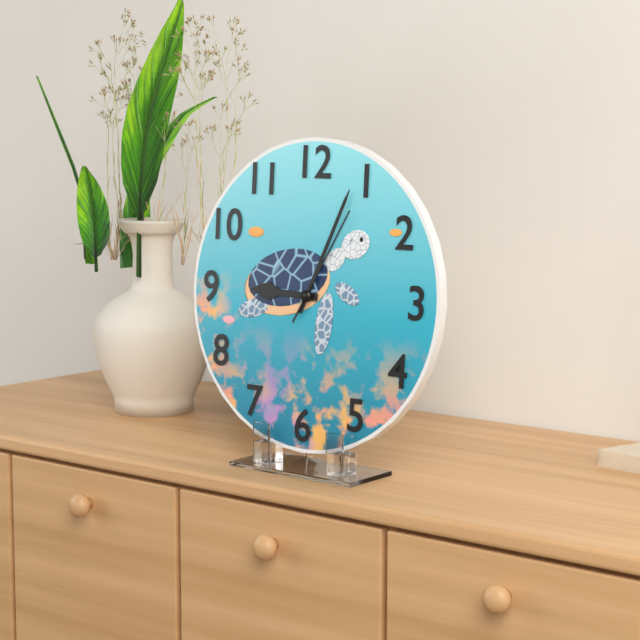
9:04:05
